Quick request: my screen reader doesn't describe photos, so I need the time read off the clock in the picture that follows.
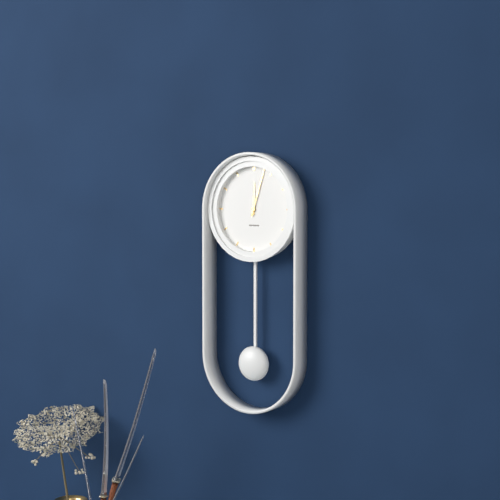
12:03
